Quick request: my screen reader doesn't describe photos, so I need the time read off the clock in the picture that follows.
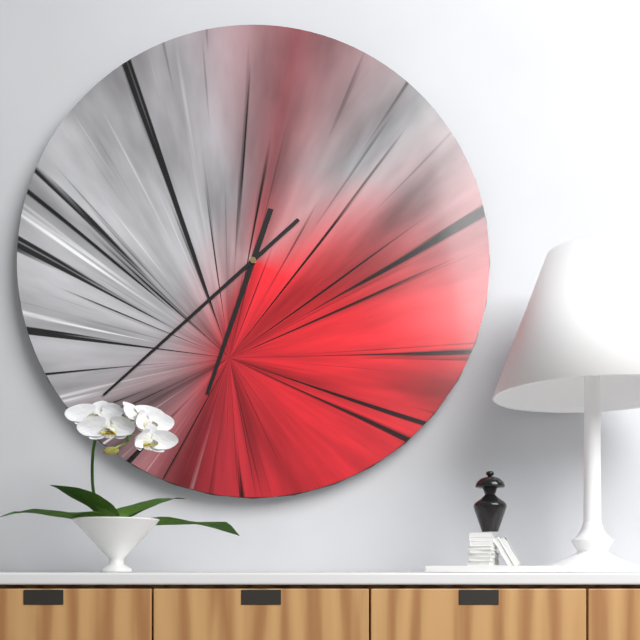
6:38
